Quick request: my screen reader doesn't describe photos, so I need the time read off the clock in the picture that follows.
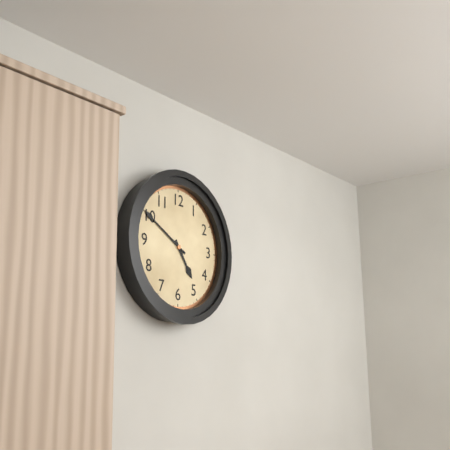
4:50
